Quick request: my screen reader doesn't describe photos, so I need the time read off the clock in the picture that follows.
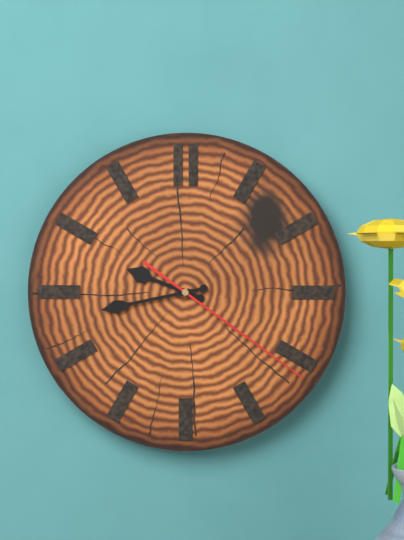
9:43:21
